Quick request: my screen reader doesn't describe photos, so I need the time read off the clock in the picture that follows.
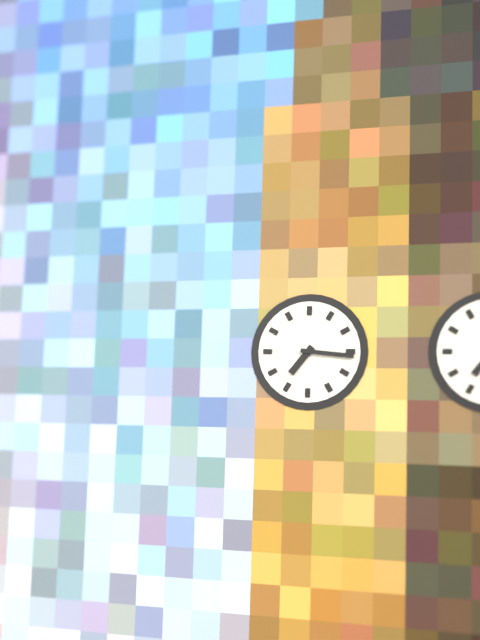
7:16
